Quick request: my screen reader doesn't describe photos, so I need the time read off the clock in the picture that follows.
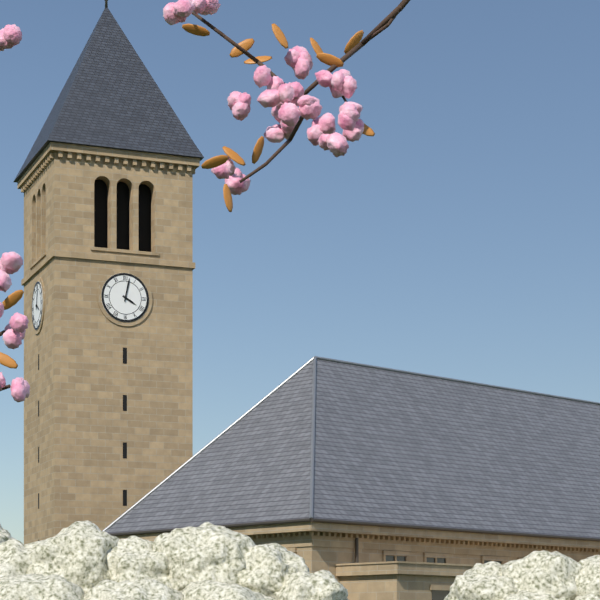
4:02
